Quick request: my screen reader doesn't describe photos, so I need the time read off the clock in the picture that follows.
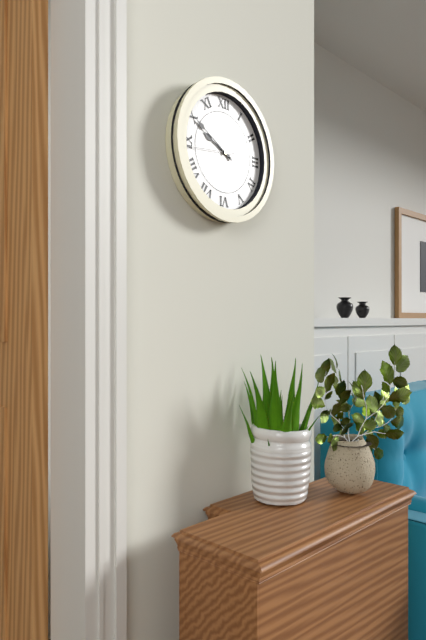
9:50:44
